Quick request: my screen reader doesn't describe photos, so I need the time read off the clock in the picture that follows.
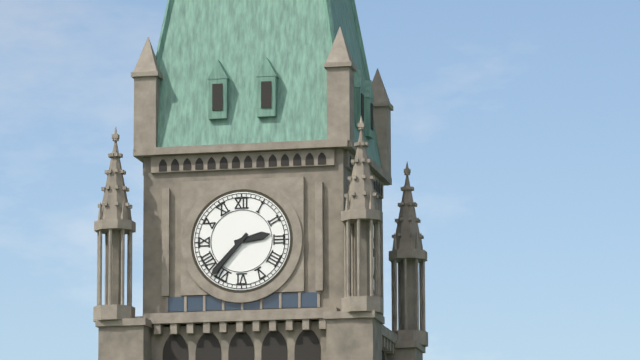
2:37
